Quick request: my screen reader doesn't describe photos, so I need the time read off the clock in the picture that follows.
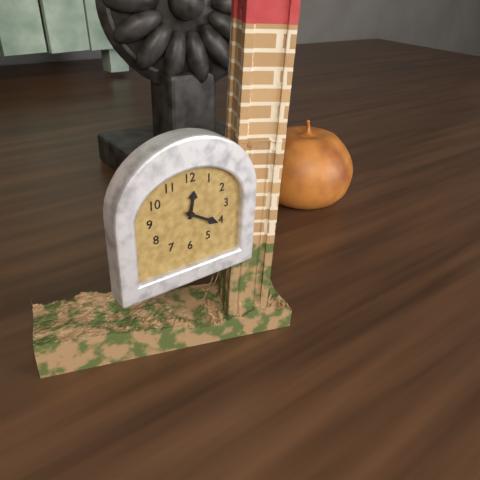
12:20
